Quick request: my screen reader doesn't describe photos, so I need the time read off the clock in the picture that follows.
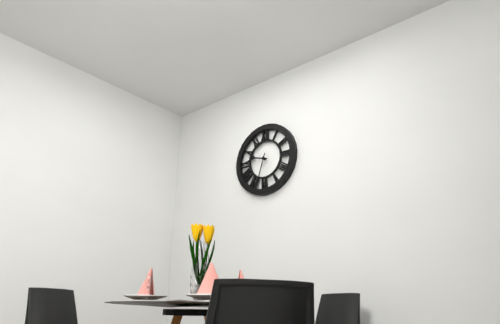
9:33
